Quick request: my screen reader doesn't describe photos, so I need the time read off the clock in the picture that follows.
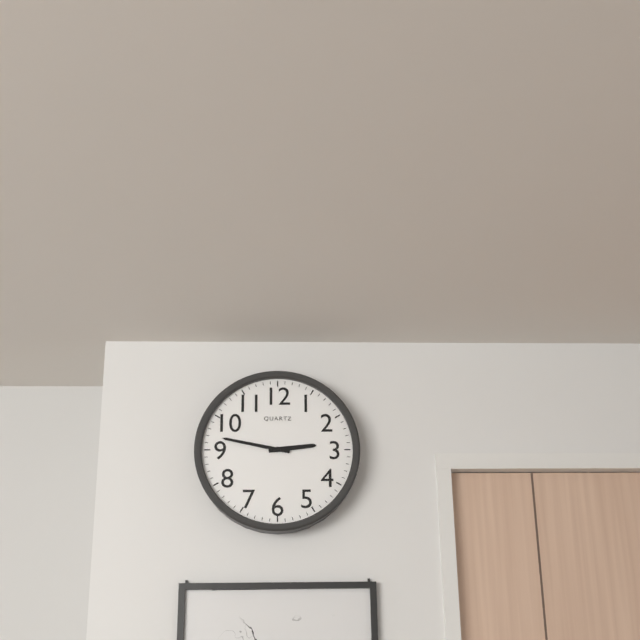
2:47
